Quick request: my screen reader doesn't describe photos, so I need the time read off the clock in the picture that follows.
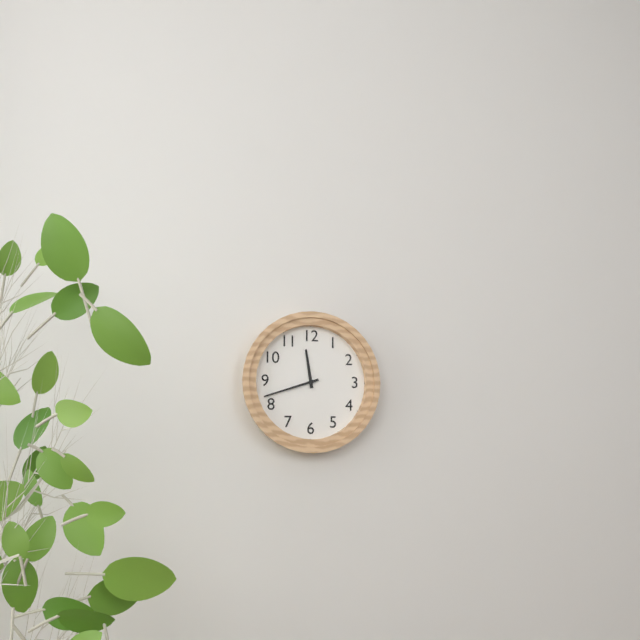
11:42
